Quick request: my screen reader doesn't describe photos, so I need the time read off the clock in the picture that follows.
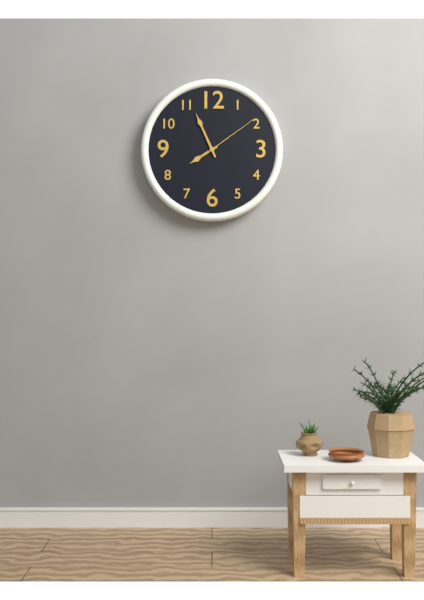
7:56:09
